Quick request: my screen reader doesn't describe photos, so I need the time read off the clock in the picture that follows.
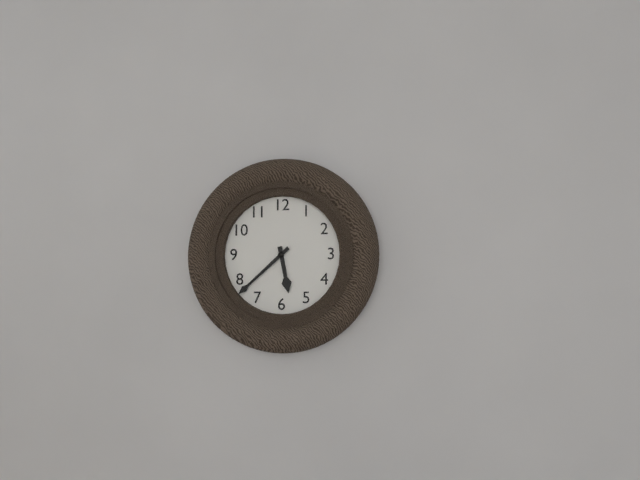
5:38
